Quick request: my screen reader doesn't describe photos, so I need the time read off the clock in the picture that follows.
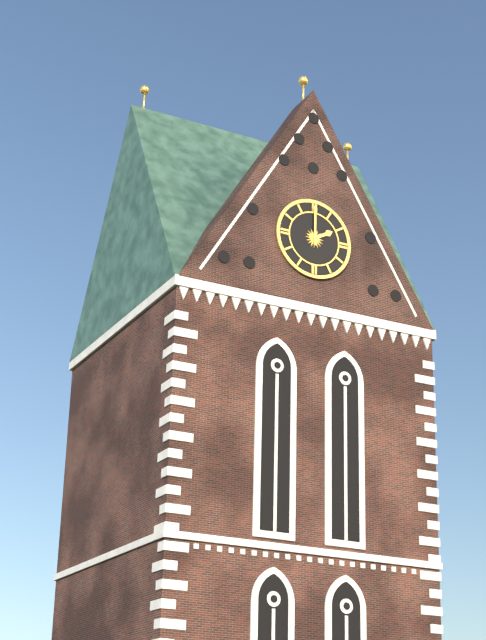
2:00
